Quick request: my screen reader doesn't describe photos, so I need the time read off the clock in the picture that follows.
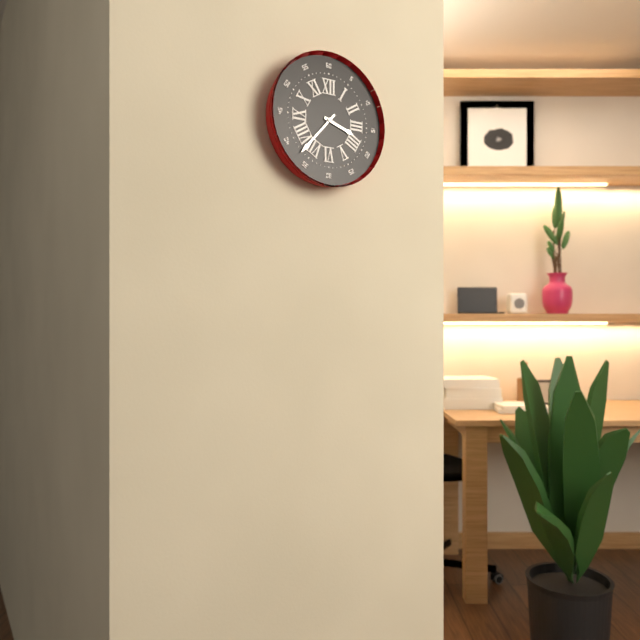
3:37
